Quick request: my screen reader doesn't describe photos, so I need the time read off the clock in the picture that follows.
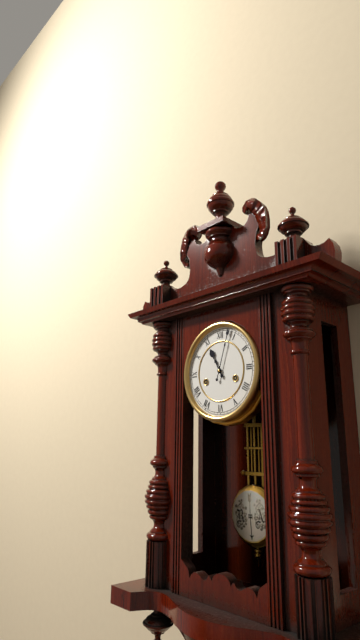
11:03
